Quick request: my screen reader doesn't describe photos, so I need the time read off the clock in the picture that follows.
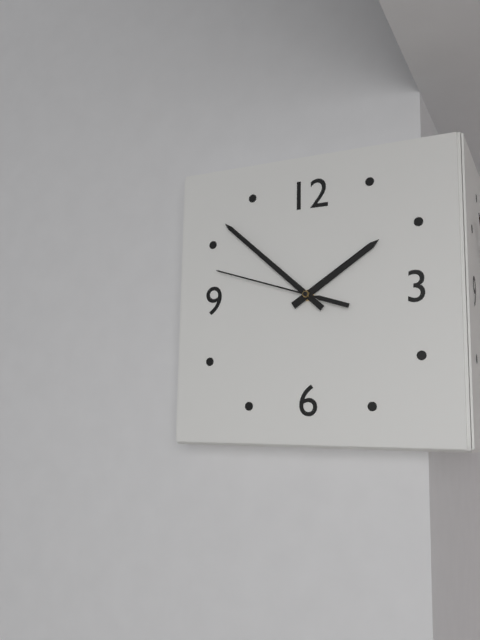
1:52:48
